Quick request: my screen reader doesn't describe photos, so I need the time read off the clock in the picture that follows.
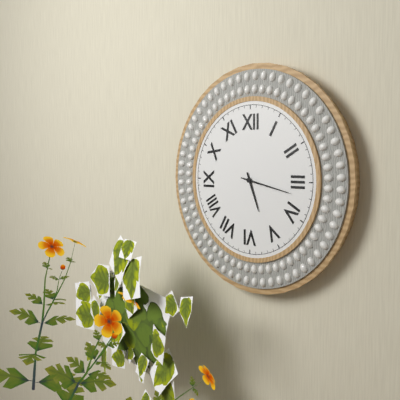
5:17
